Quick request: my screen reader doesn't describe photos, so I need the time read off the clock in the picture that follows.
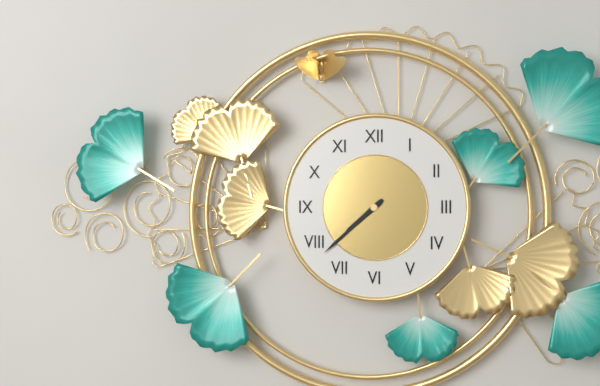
7:38
